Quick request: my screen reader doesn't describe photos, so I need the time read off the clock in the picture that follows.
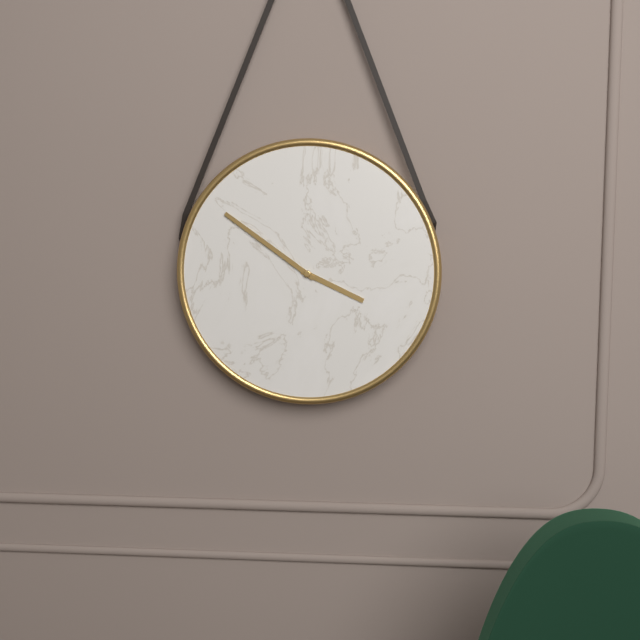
3:51
